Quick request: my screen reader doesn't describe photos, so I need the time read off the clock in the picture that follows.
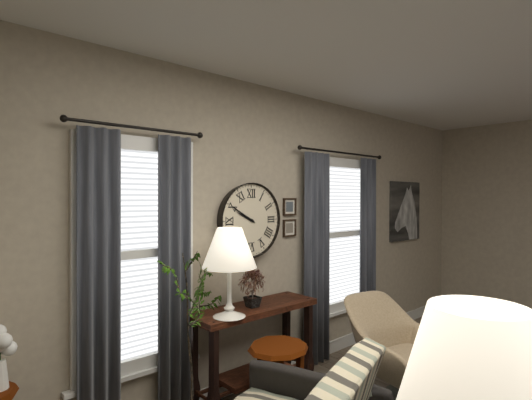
9:50
